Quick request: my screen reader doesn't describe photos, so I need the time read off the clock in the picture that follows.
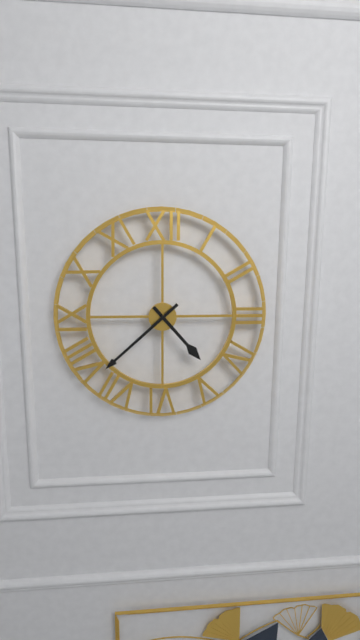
4:38
